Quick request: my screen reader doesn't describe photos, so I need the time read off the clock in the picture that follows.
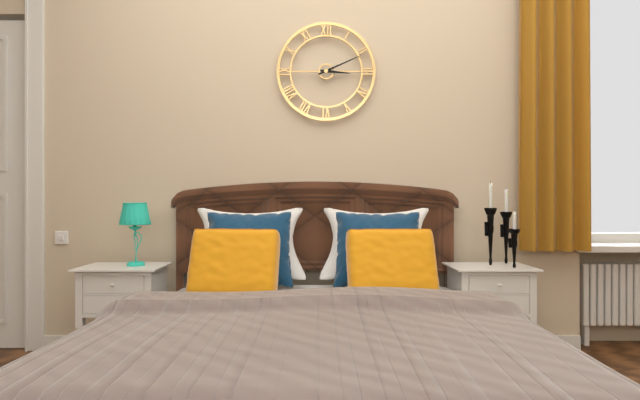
3:11
